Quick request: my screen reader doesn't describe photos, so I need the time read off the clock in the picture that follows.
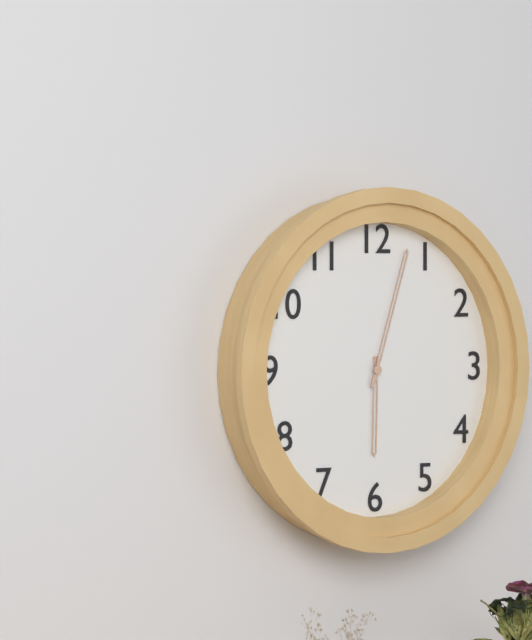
6:03
